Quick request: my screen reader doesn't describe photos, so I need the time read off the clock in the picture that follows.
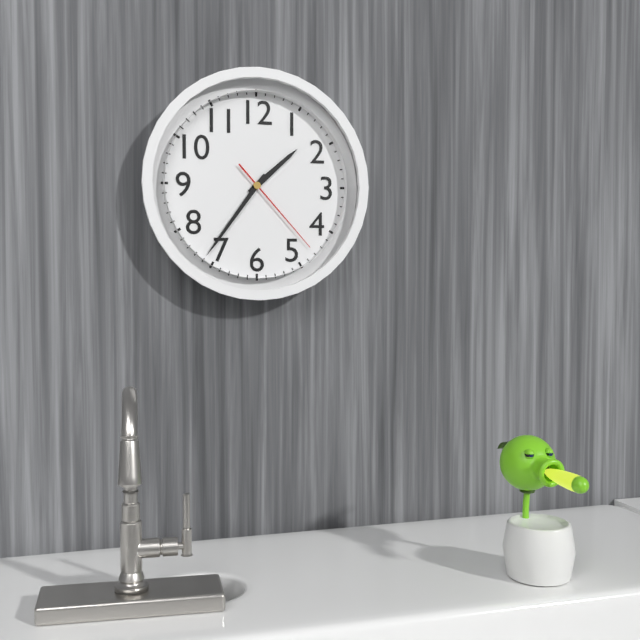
1:36:23
